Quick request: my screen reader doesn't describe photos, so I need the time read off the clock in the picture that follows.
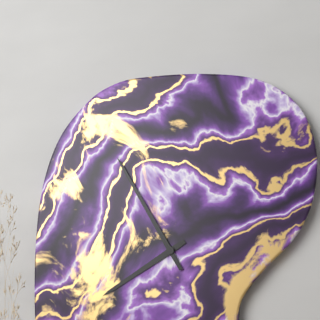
7:55
